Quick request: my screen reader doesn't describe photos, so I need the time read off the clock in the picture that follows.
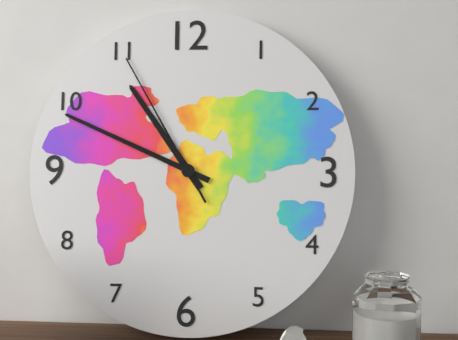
10:49:55
